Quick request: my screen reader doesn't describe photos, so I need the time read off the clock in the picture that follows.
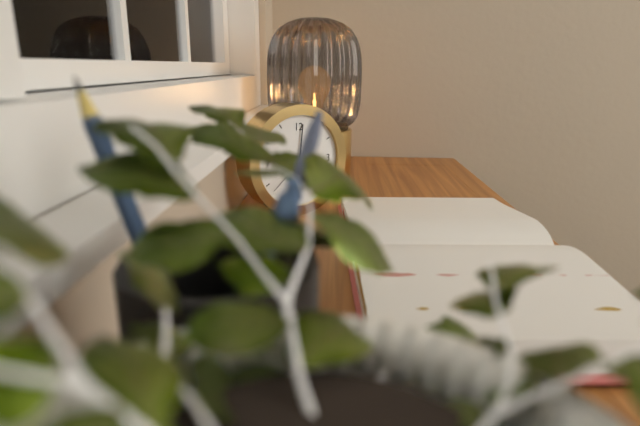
8:01
